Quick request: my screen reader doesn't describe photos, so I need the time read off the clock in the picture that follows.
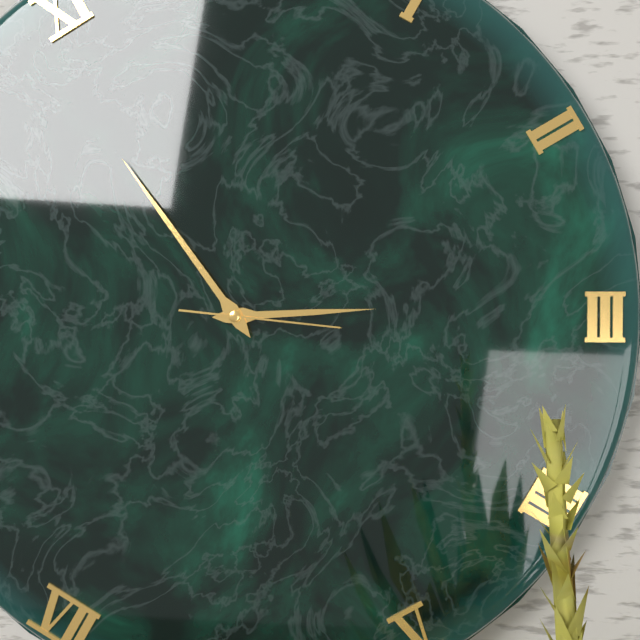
2:54:16
